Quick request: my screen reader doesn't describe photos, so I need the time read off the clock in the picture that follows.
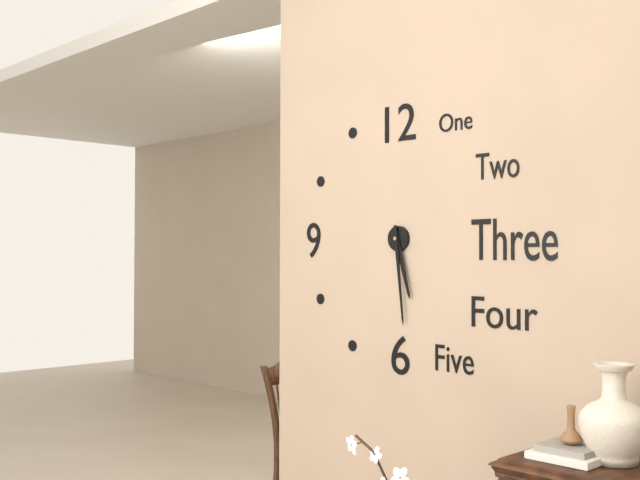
5:29
